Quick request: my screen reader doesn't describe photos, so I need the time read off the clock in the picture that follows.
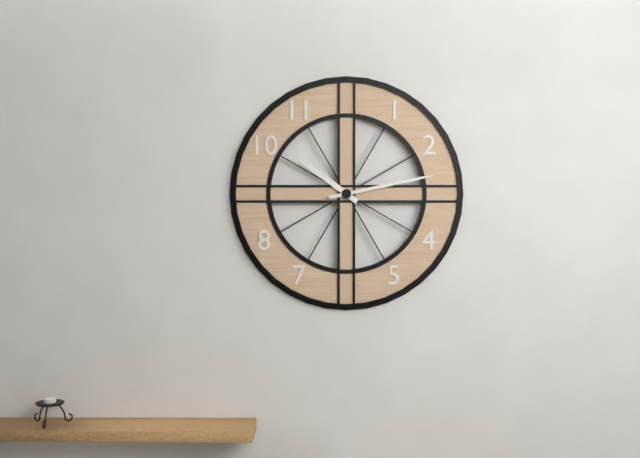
10:13
